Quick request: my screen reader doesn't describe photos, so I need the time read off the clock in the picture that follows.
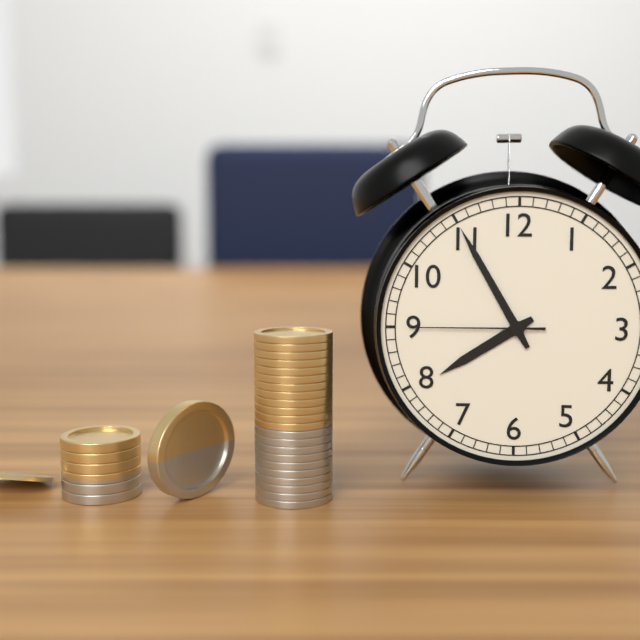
7:55:45
